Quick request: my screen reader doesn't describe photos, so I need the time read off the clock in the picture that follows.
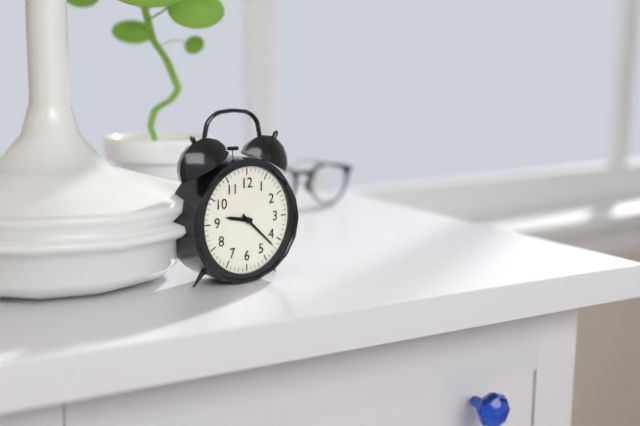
9:22
